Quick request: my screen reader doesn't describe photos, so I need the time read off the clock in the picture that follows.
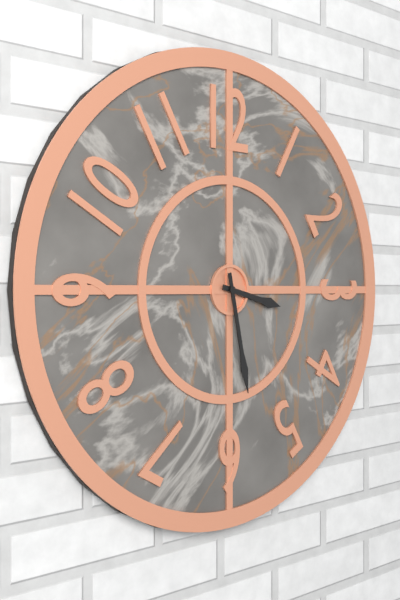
3:28
